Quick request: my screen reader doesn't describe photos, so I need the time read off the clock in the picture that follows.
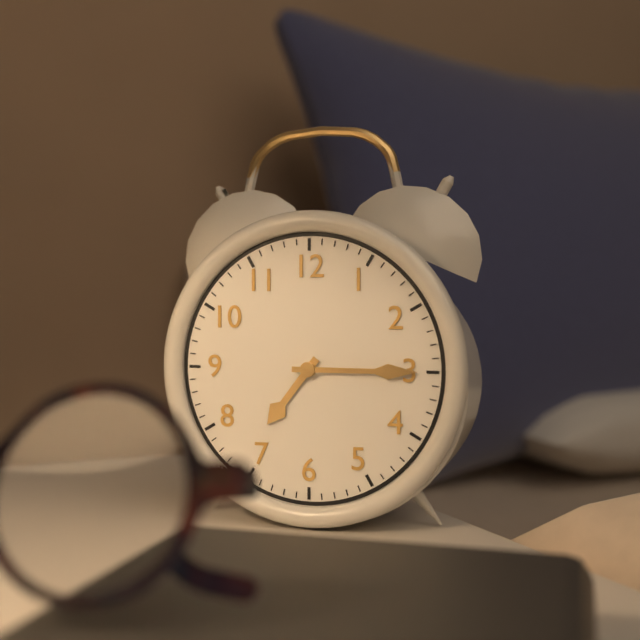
7:15
